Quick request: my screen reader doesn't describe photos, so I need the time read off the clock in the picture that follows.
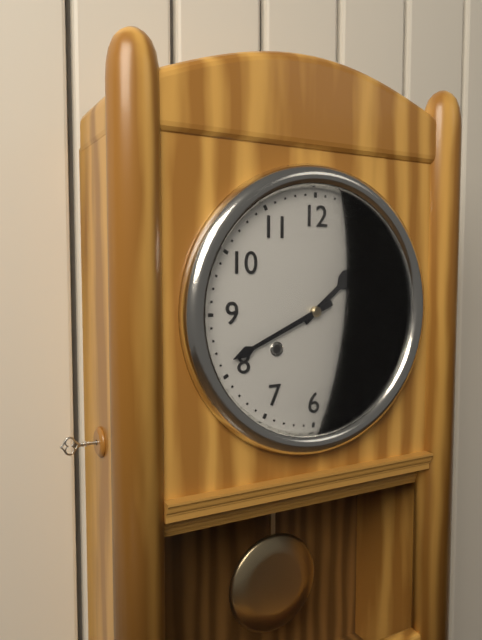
1:41
